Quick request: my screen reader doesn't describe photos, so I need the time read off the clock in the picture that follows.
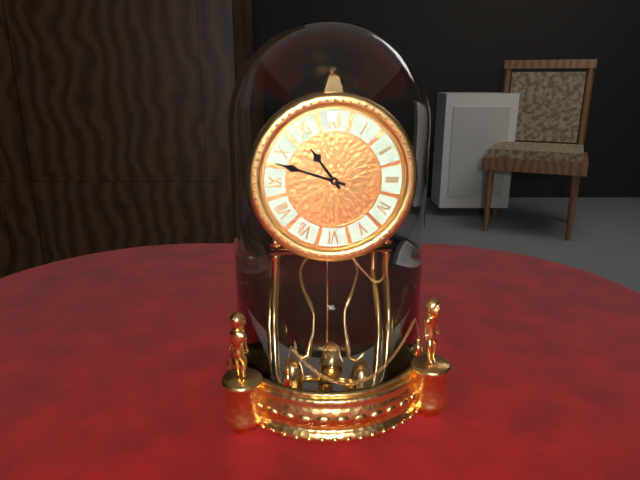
10:48
